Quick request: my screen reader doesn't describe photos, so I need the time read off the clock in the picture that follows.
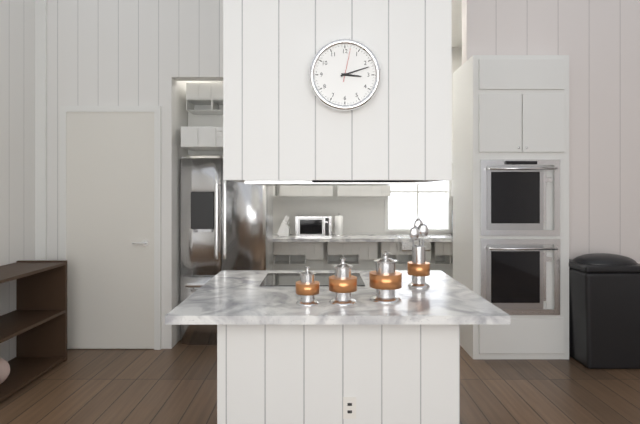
3:12
